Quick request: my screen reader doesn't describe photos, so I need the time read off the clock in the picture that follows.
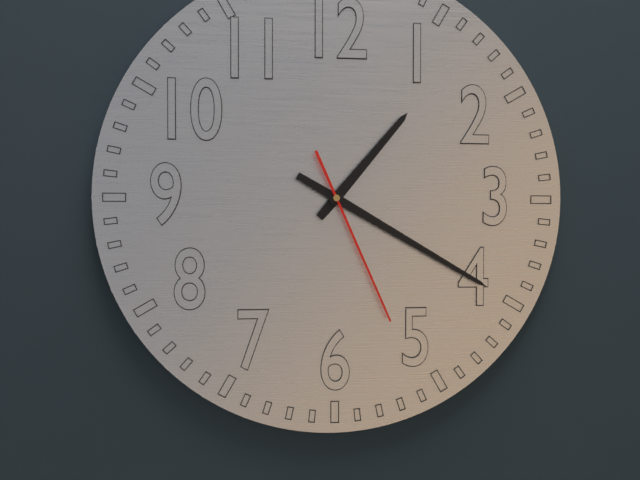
1:20:26
